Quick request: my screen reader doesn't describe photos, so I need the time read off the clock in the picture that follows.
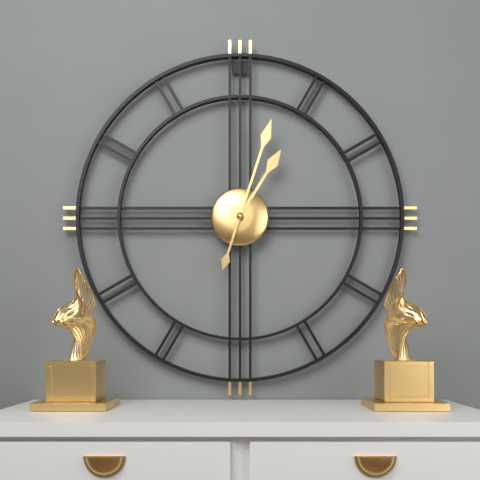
1:03
